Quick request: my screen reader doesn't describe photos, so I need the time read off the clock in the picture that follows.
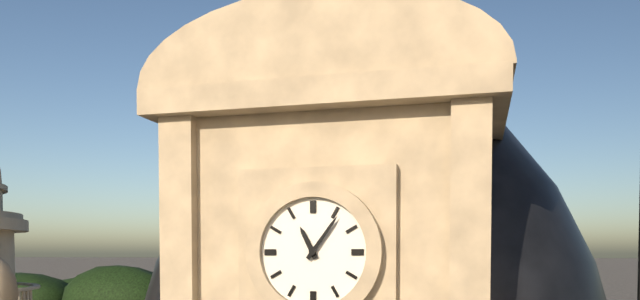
11:06
